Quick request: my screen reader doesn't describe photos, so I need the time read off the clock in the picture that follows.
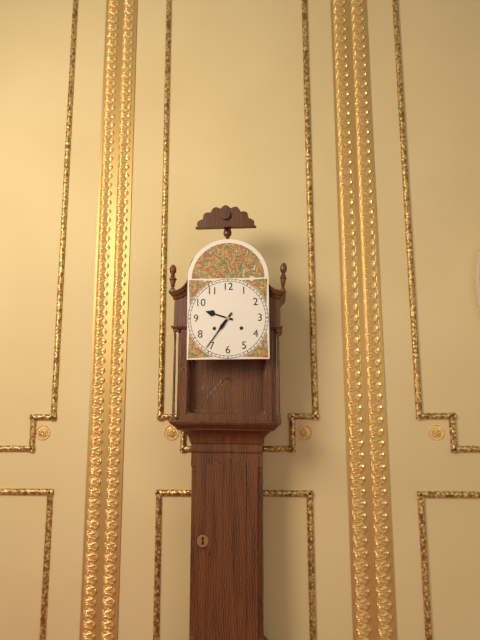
9:36
